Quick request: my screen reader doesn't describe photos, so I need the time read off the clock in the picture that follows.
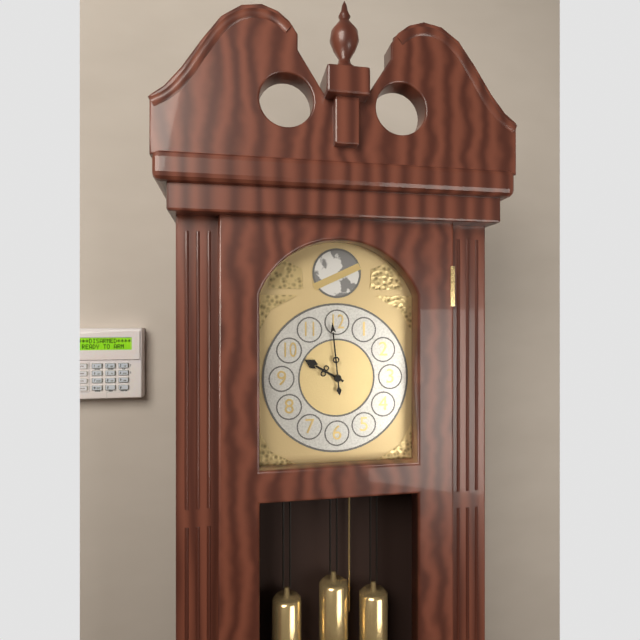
9:59
